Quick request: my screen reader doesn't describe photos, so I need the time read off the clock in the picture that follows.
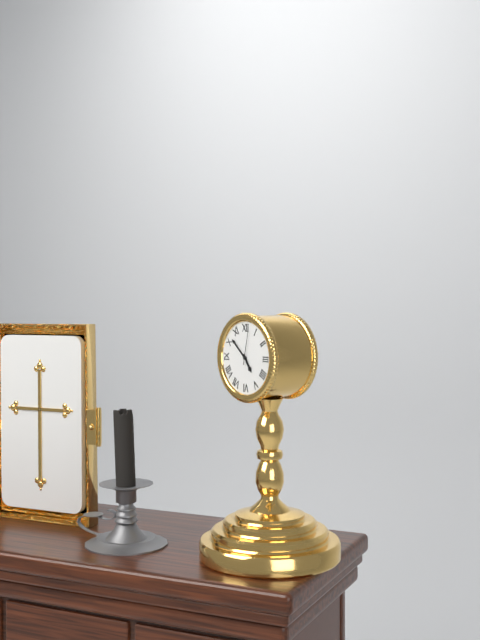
4:52
